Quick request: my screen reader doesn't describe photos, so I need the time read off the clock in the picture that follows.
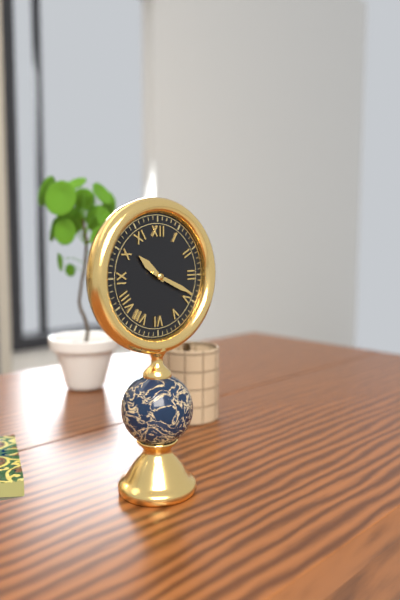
10:19
